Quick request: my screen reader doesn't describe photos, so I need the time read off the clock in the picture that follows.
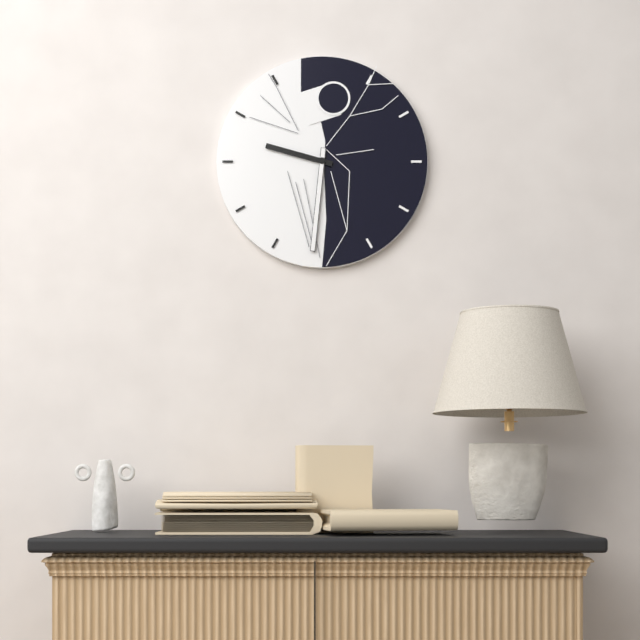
9:31
